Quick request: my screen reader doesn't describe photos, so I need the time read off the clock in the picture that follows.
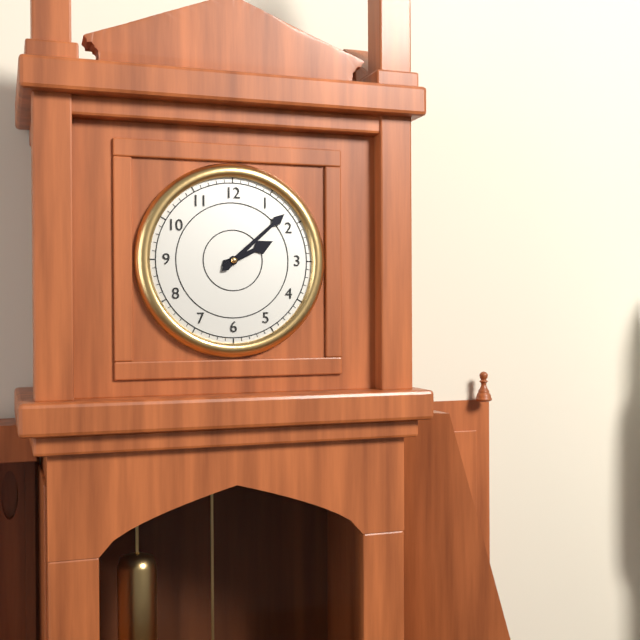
2:08
